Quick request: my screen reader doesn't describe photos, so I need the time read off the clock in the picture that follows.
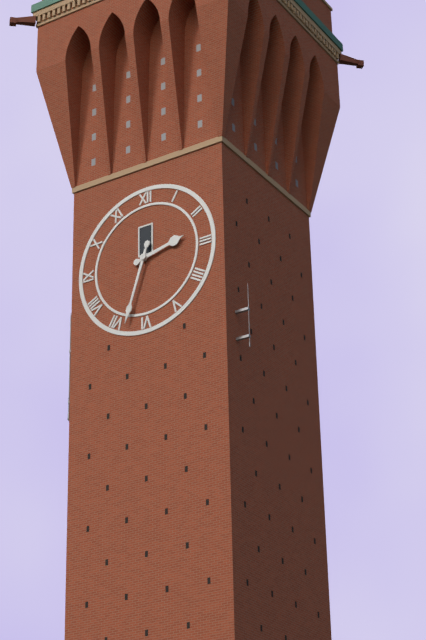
2:33
